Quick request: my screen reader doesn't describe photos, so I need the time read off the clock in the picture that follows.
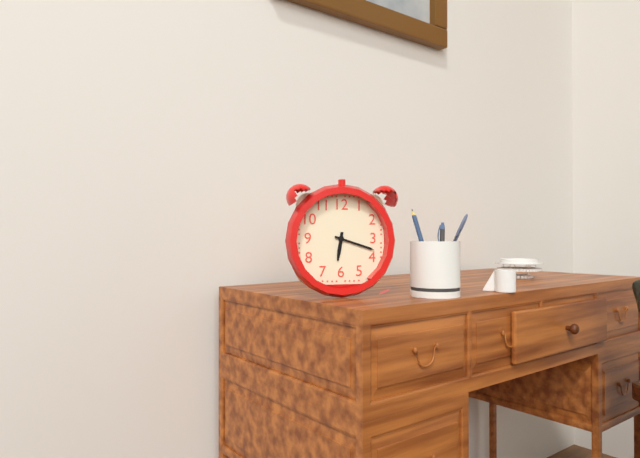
6:18
